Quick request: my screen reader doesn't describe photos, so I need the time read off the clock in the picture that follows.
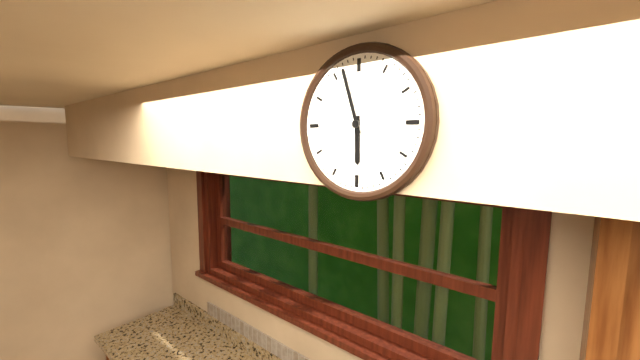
5:57
